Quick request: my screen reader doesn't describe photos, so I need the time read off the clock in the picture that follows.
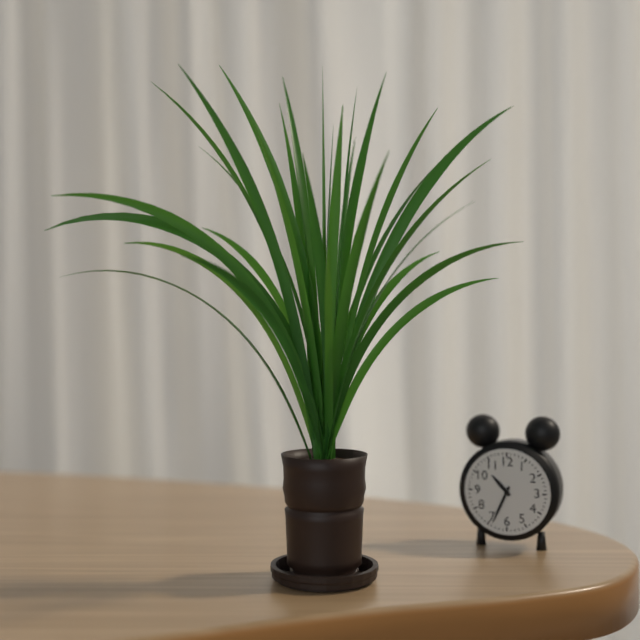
10:34
